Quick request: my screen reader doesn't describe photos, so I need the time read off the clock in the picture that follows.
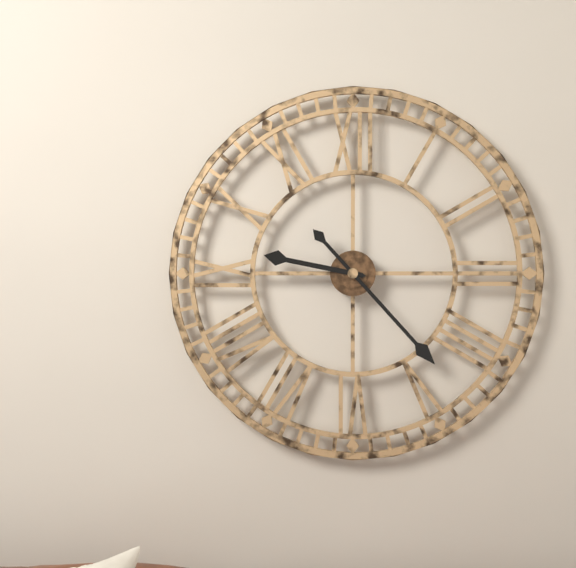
9:23
